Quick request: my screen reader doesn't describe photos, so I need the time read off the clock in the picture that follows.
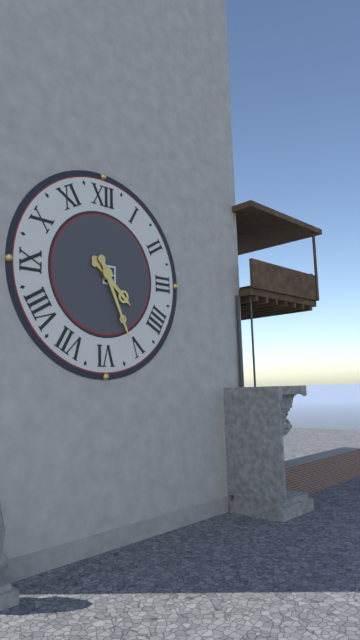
4:26
